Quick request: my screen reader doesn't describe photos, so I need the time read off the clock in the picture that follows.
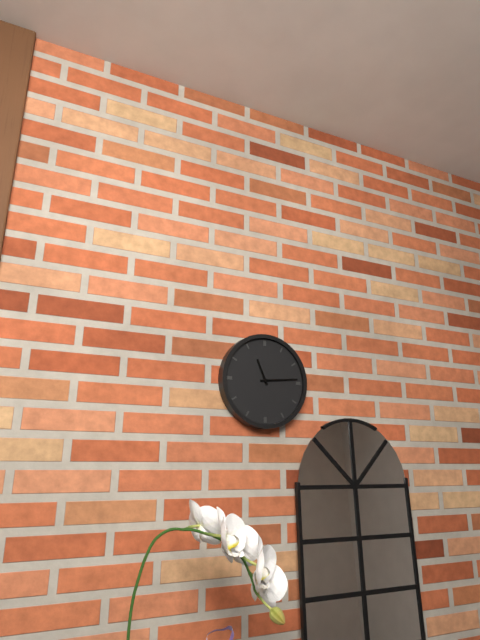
11:14
